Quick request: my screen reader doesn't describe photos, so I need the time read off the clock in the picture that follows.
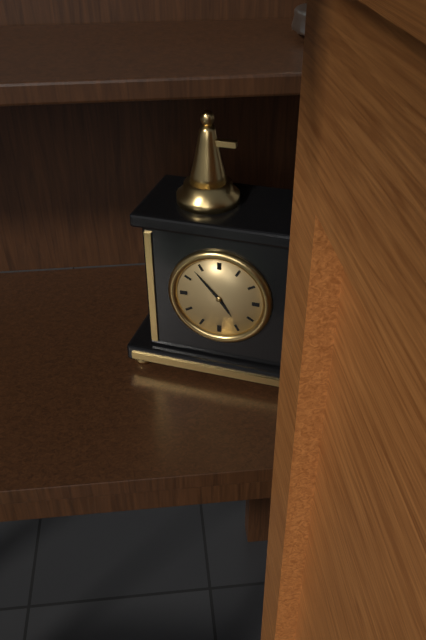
4:53
